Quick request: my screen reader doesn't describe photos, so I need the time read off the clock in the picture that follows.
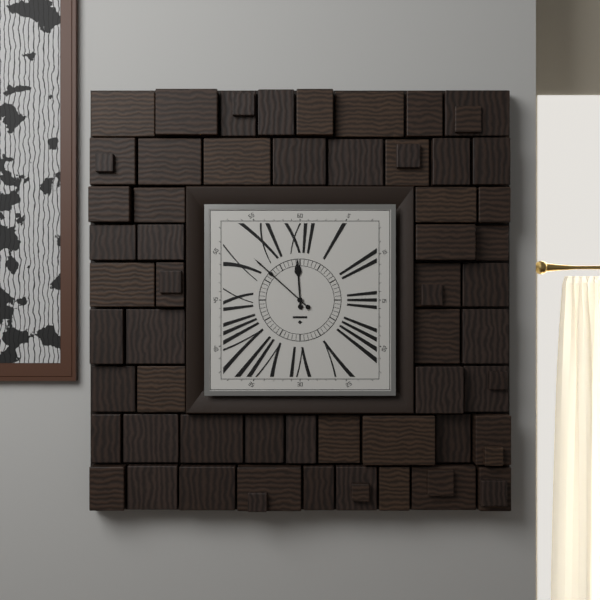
11:52
